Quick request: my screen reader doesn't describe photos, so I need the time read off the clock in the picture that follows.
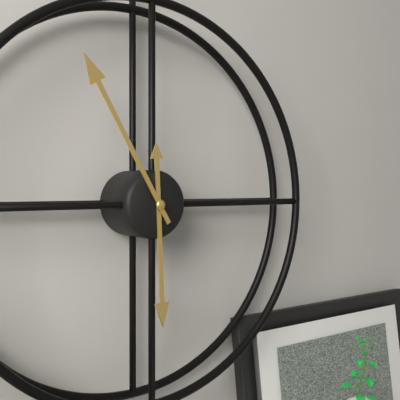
5:55
